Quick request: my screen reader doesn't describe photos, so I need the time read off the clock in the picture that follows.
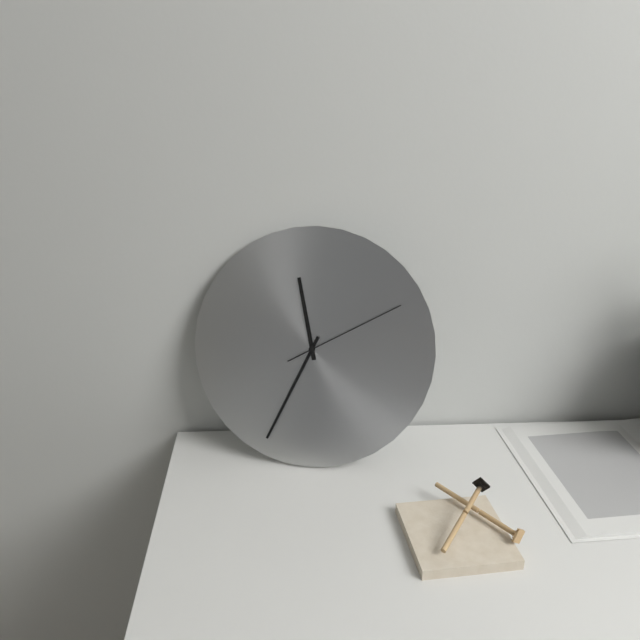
11:34:10
